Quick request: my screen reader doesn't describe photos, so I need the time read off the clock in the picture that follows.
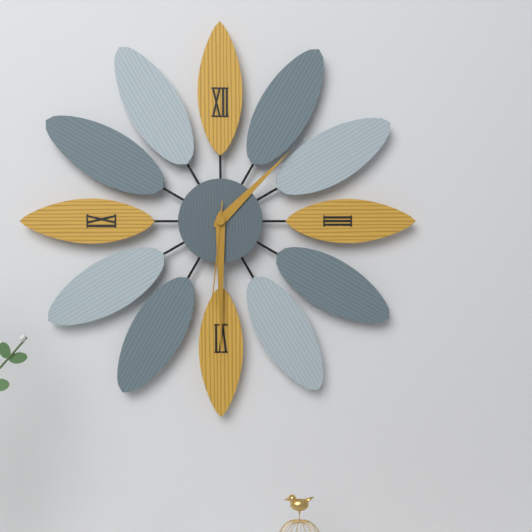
1:30:31
